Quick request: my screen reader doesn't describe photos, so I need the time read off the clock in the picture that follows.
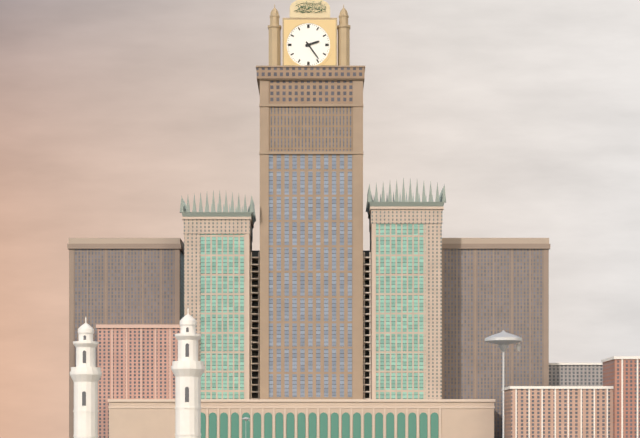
2:24
